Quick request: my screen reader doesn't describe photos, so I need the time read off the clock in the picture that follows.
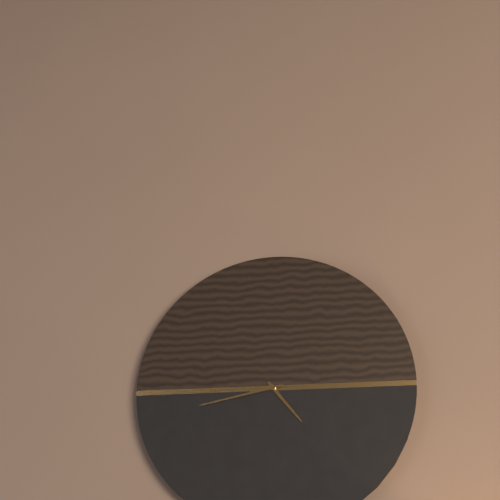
4:43
